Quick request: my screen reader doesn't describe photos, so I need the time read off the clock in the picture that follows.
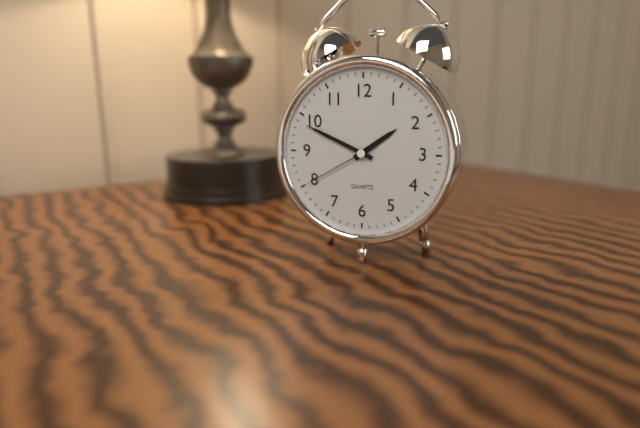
1:49:40
